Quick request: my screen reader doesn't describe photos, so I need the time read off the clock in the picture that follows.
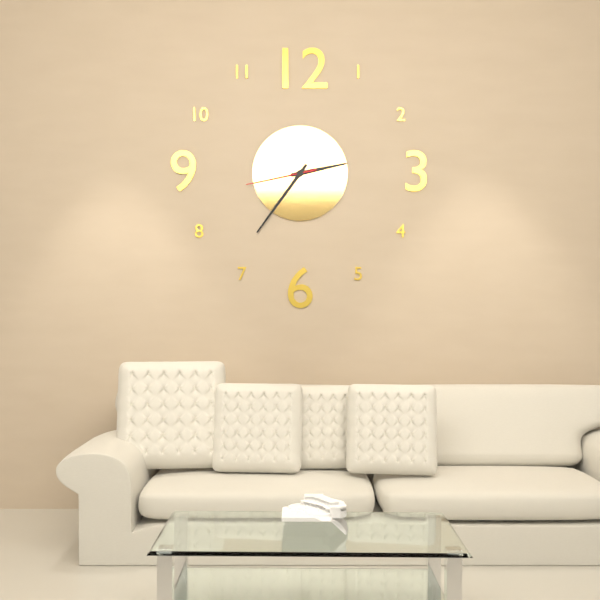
2:36:43
